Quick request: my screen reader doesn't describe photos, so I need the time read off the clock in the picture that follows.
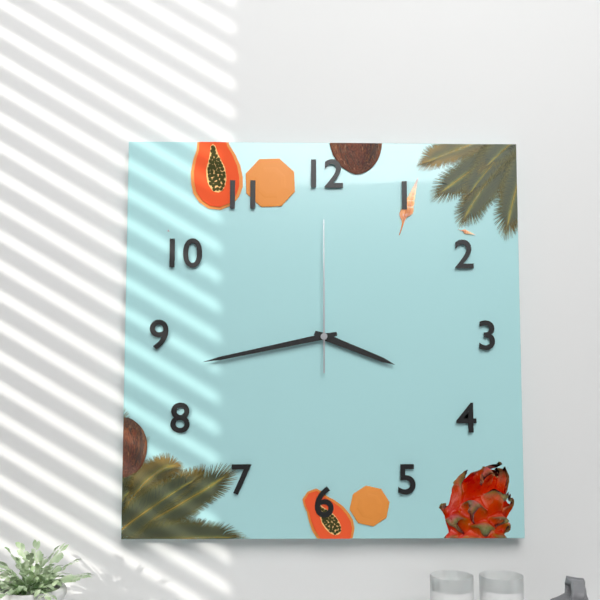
3:43:00
